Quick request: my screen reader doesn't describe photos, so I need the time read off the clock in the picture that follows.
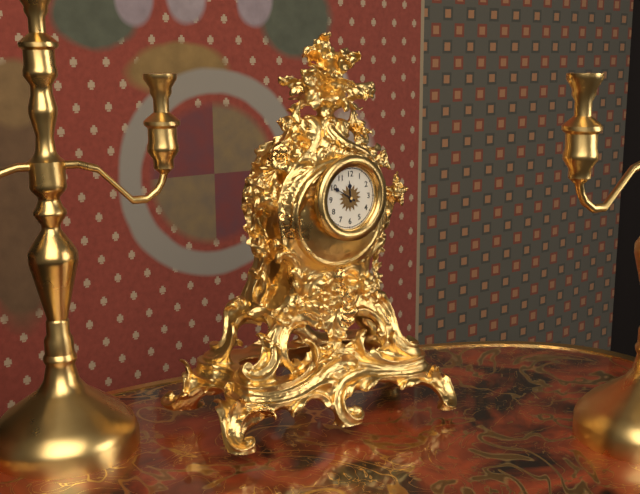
11:50
